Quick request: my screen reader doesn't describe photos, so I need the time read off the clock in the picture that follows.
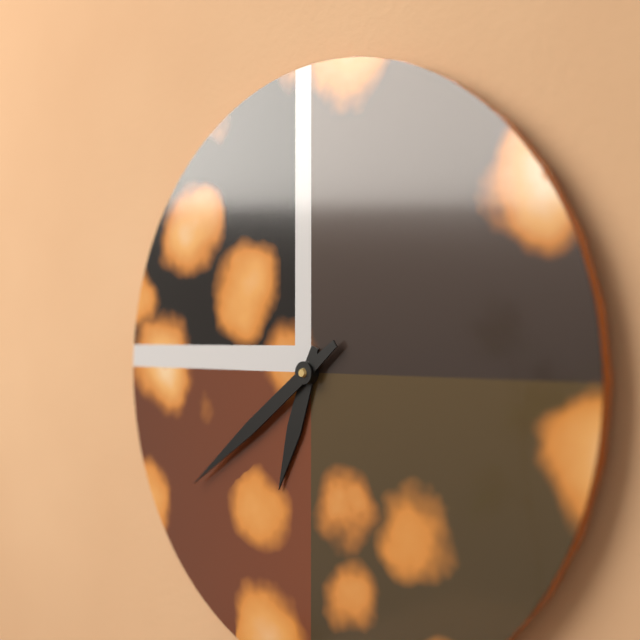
6:39
